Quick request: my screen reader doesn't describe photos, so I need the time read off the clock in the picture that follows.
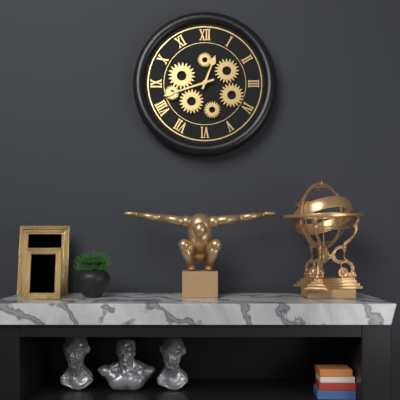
12:42
